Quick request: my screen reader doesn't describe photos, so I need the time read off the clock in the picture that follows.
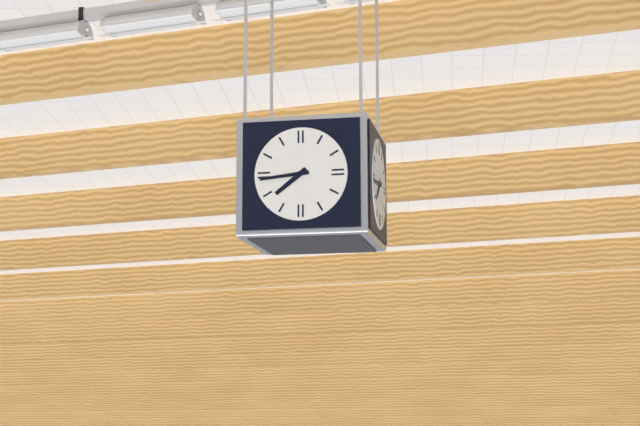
7:44
